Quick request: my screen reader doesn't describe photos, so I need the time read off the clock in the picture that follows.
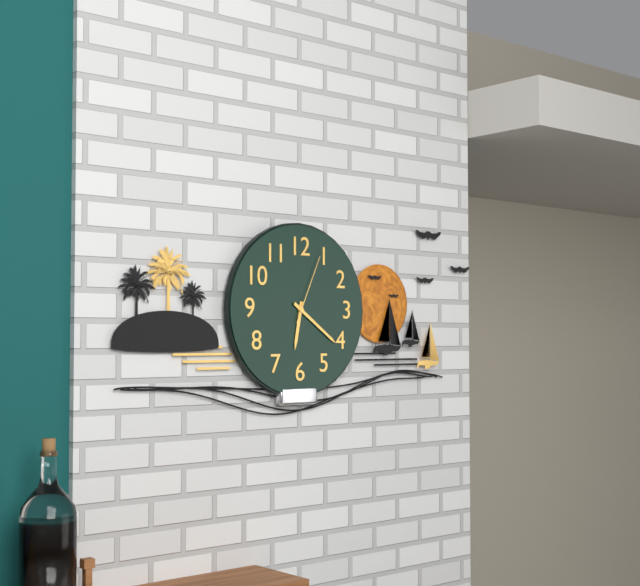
6:21:04
